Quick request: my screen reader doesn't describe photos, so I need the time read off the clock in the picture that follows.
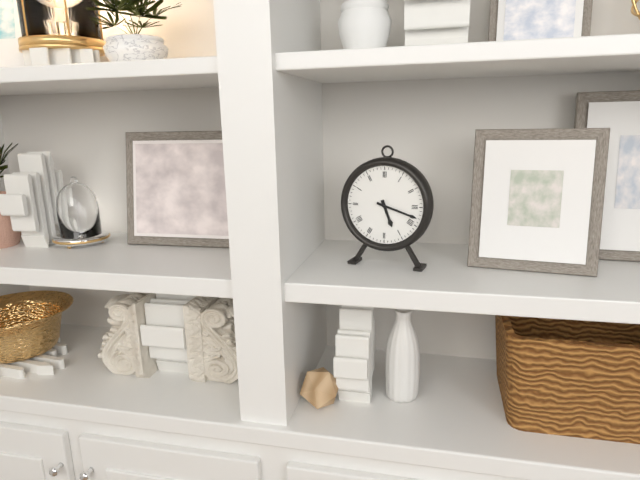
5:18
